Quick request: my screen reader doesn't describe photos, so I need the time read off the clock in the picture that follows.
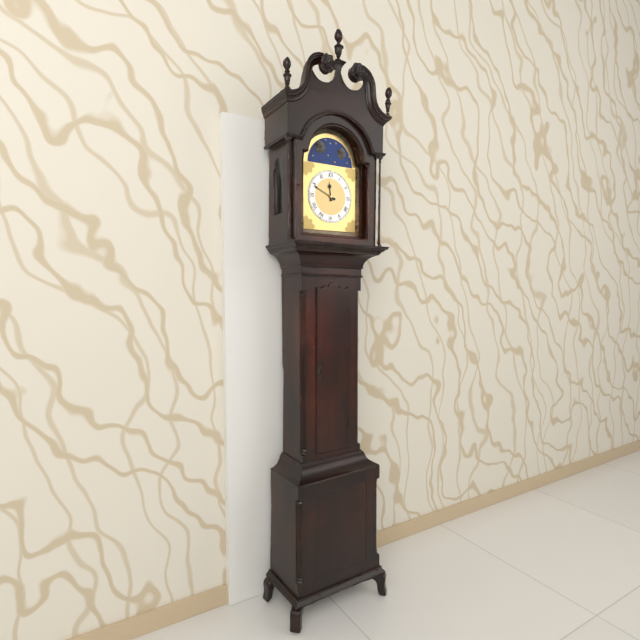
11:49
